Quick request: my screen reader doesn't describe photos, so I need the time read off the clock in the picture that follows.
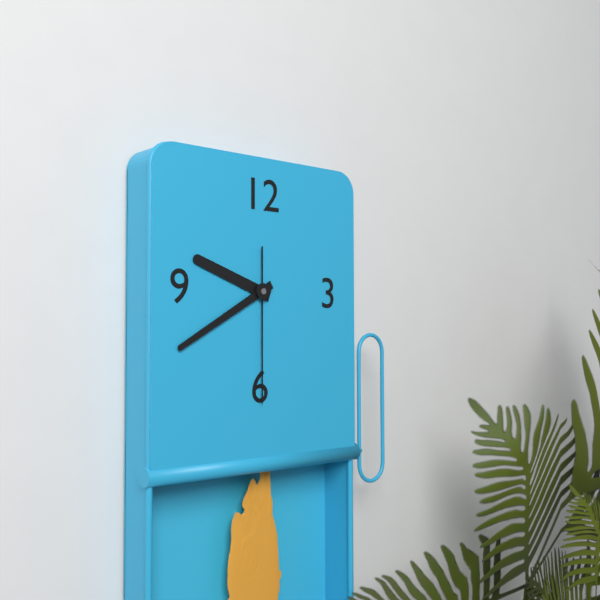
9:40:30
